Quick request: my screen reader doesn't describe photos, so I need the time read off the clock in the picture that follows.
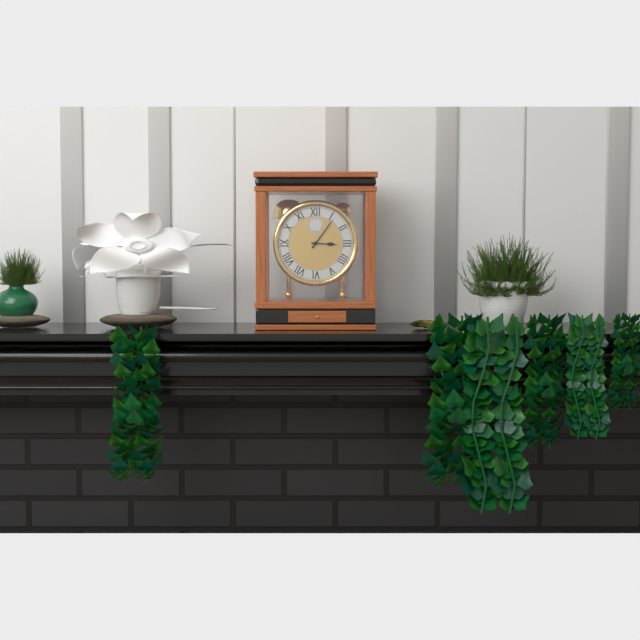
3:06
